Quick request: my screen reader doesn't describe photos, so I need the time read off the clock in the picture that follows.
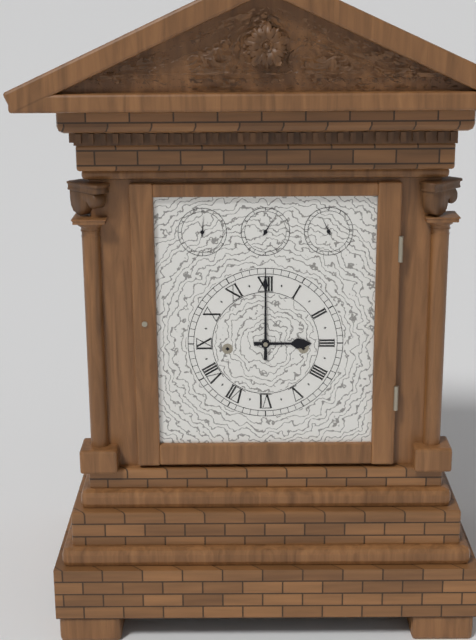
3:00
